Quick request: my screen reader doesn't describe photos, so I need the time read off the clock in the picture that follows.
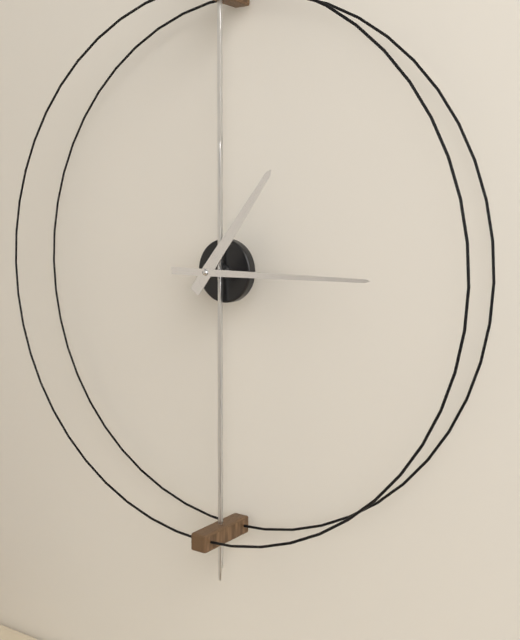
1:15
